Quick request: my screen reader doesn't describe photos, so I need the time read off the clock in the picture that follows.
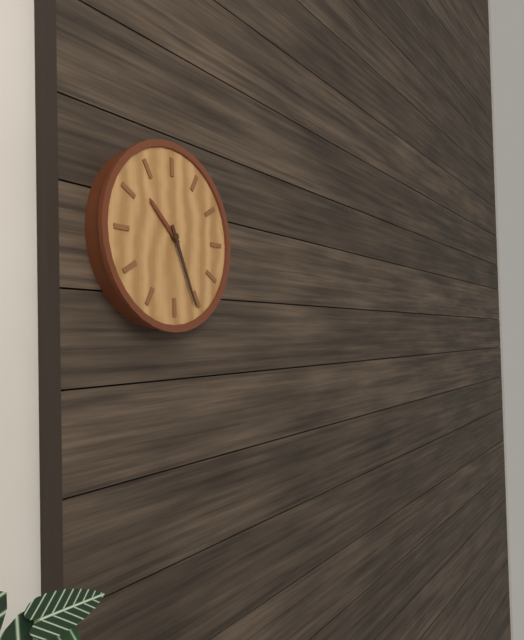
10:26
